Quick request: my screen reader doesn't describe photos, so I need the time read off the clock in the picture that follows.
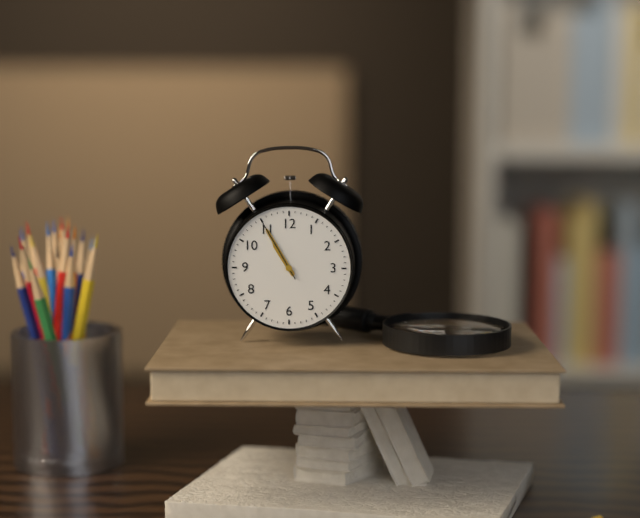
10:55:55
